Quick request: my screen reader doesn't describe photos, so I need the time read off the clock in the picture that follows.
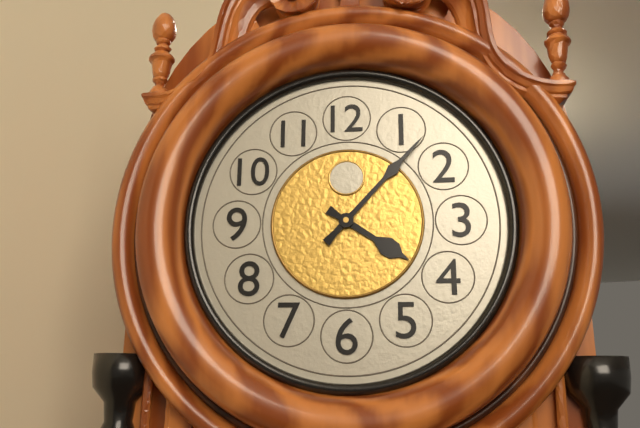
4:07
